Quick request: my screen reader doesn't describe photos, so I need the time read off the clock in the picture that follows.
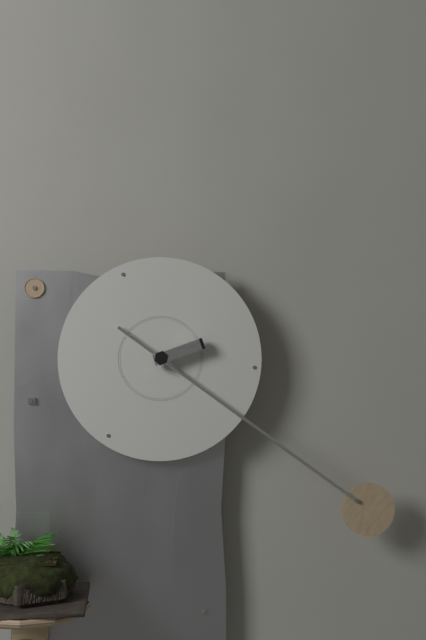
2:21
